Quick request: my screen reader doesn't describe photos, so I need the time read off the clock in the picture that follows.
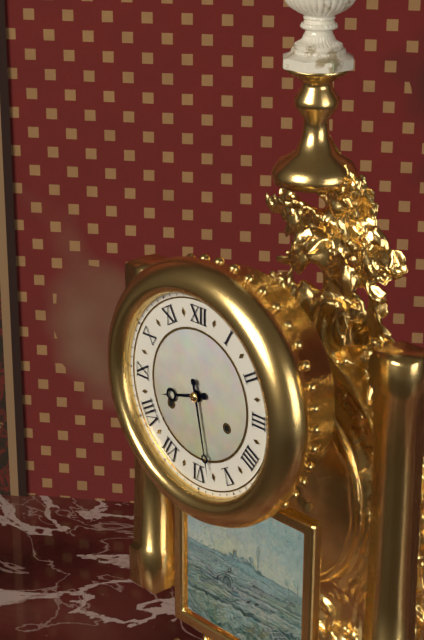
8:28
